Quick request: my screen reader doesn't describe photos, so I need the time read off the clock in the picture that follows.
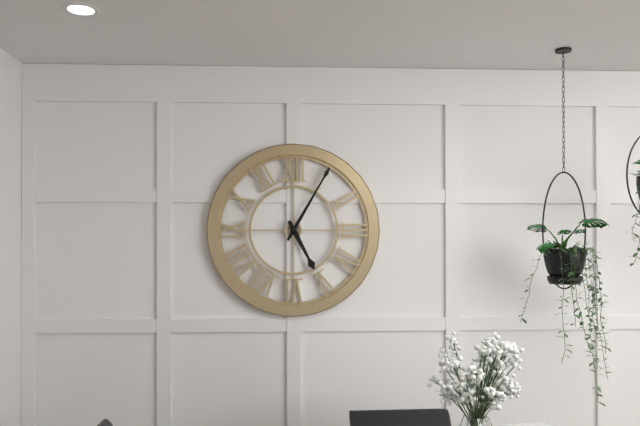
5:05
